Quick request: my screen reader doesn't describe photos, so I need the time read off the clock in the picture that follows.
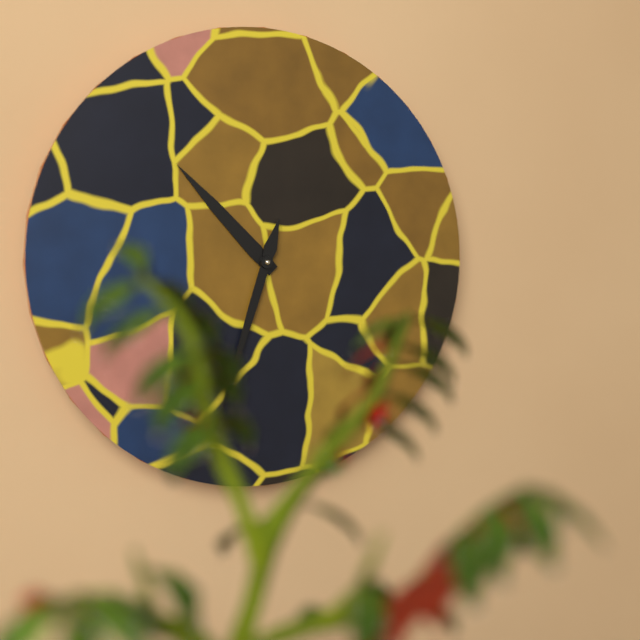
10:33
